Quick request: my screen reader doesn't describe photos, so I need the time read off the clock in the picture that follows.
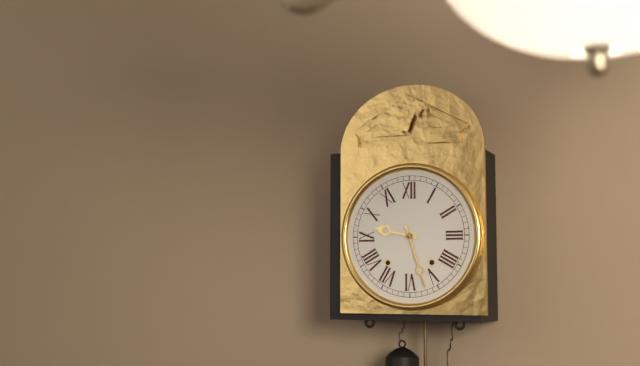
9:27
